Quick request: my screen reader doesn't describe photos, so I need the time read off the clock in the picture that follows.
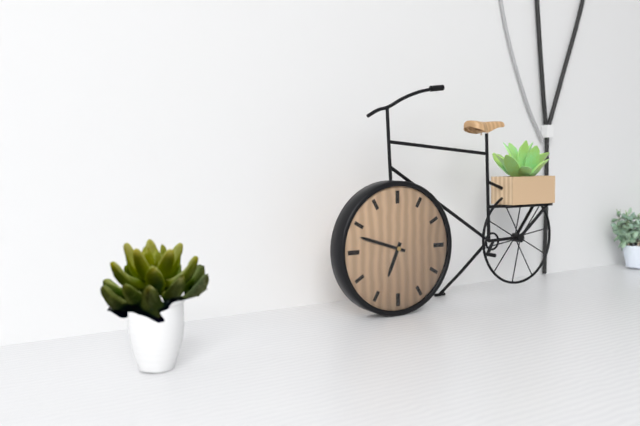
6:48
